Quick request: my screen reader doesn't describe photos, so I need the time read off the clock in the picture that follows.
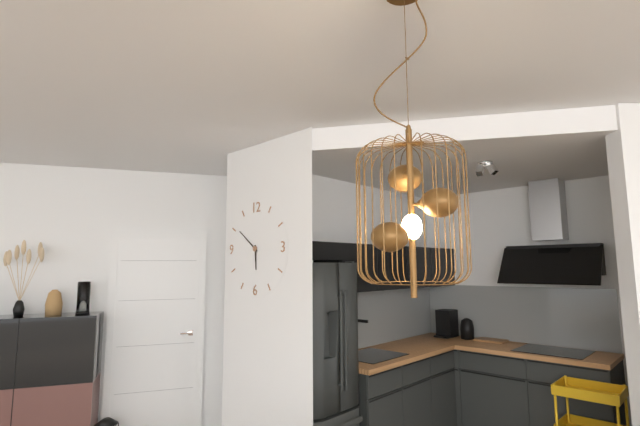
5:51
